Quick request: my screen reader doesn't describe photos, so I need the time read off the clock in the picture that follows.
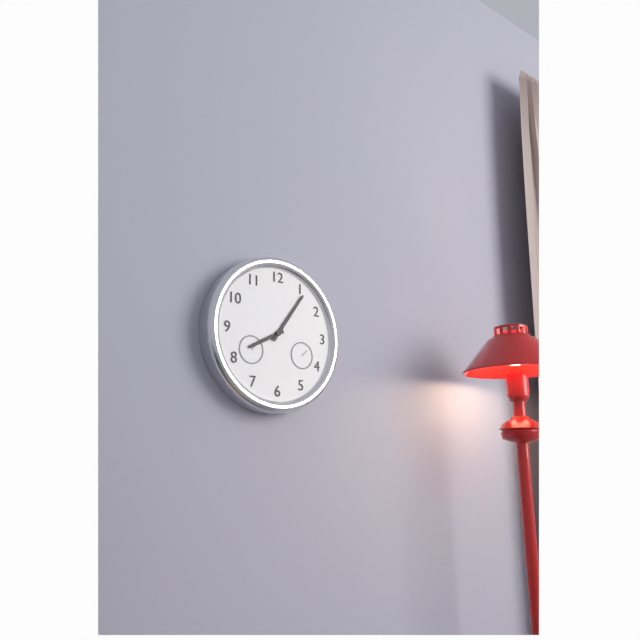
8:06
